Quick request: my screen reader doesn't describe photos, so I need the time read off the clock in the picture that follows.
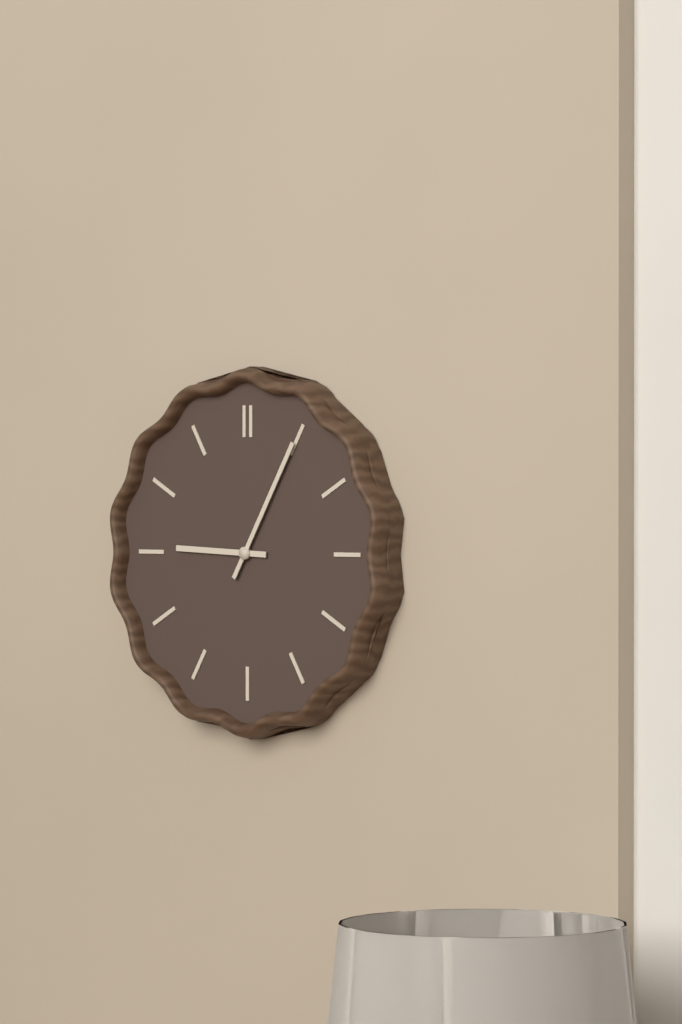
9:05
